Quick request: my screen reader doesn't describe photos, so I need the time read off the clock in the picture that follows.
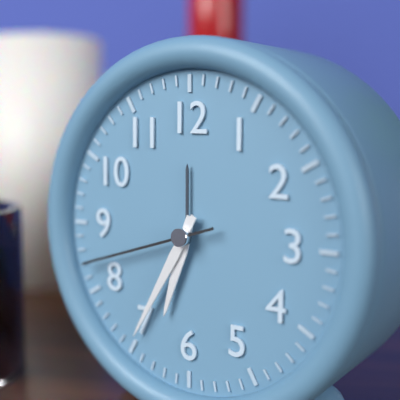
6:35:42
